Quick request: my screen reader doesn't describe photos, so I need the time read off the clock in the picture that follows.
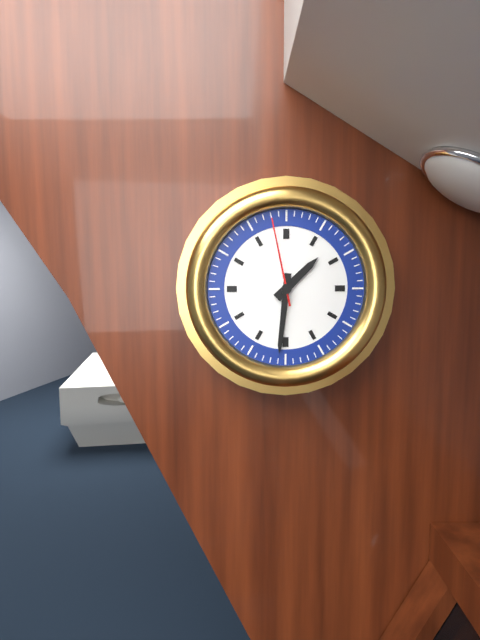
1:31:58
